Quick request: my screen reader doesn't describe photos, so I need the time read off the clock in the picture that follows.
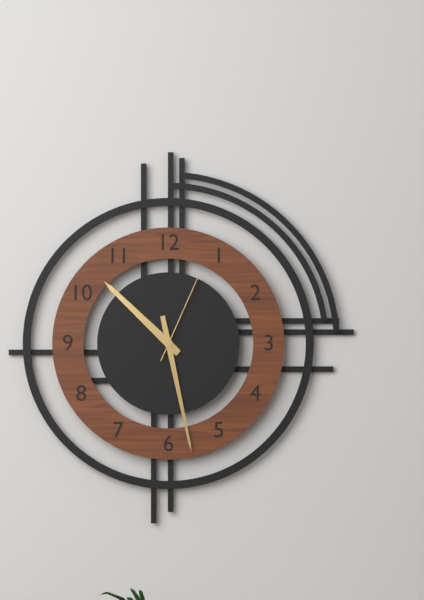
10:28:04
